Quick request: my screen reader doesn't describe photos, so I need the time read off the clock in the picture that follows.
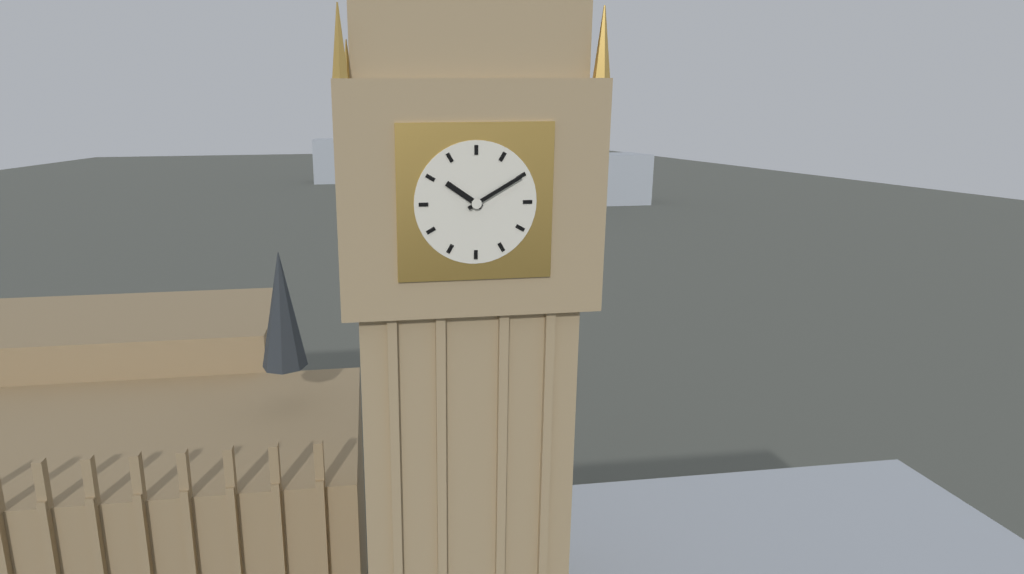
10:10
